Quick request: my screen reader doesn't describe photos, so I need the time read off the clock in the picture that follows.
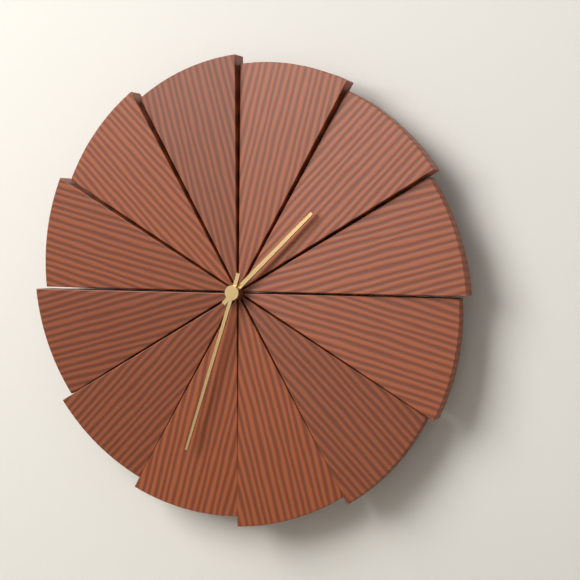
1:33
